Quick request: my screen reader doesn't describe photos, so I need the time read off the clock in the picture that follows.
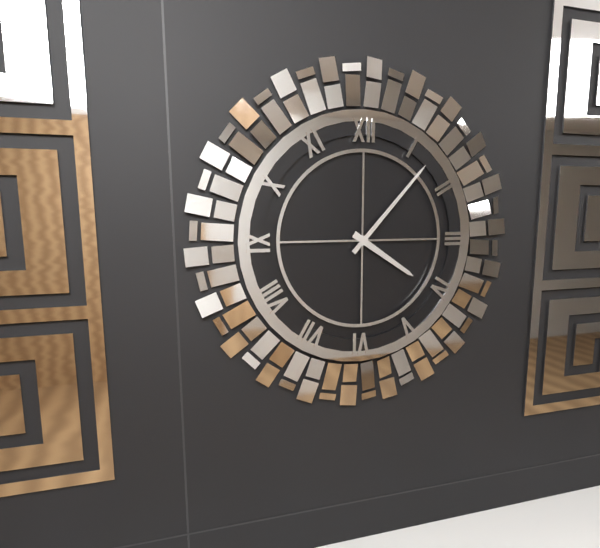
4:07
